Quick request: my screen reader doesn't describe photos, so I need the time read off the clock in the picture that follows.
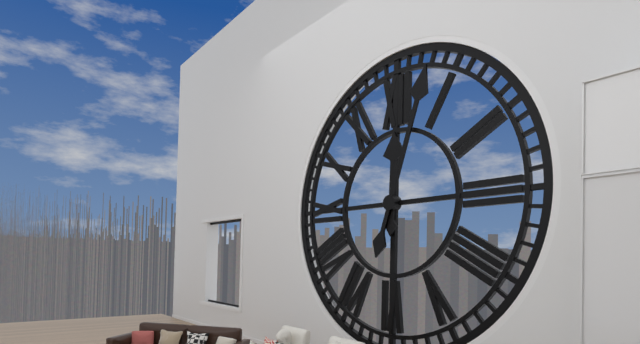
12:03
